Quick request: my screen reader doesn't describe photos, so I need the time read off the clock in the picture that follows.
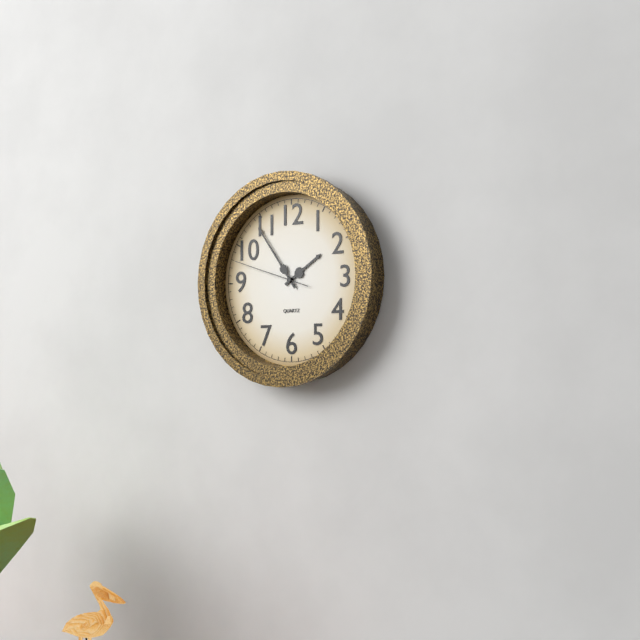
1:54:48
